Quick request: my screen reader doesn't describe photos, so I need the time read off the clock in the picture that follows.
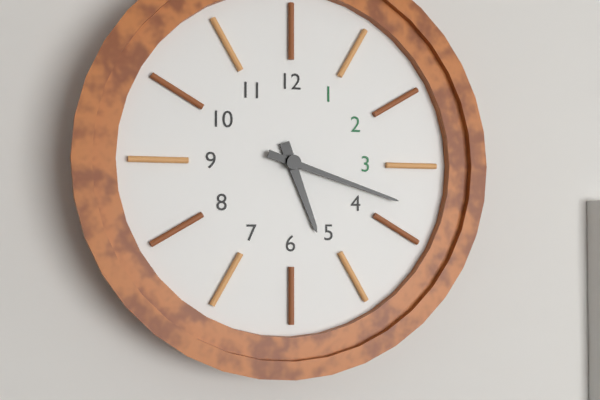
5:18
